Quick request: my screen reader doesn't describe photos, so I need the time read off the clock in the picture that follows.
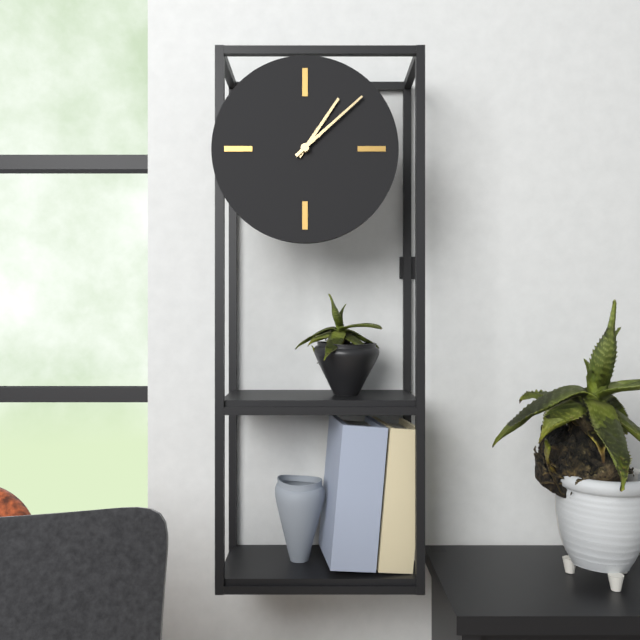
1:08
